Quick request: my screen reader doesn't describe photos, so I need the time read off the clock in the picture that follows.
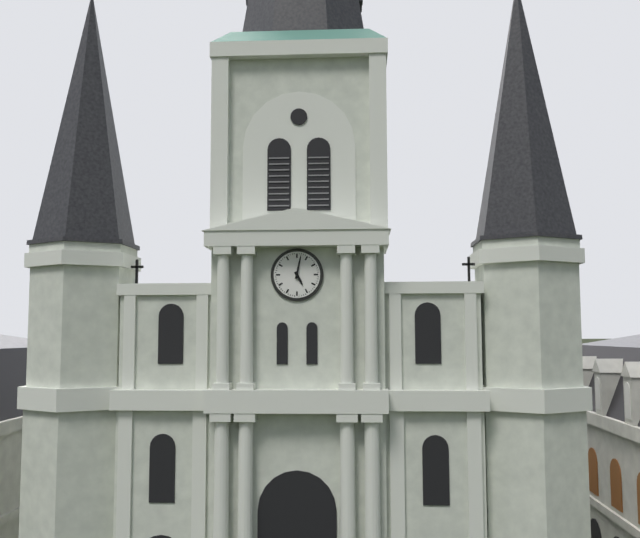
5:02
